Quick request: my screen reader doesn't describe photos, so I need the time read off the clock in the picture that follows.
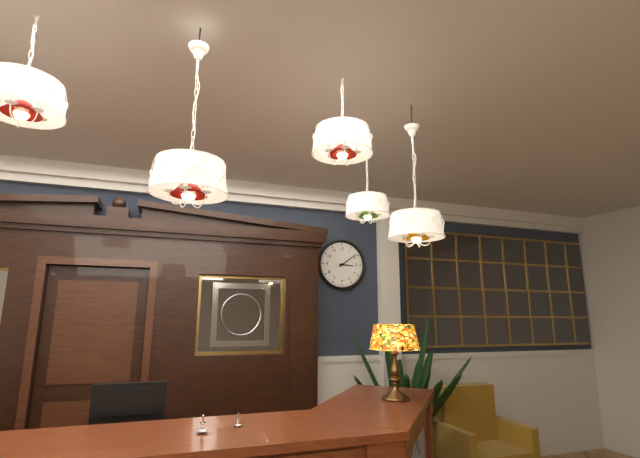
3:09
